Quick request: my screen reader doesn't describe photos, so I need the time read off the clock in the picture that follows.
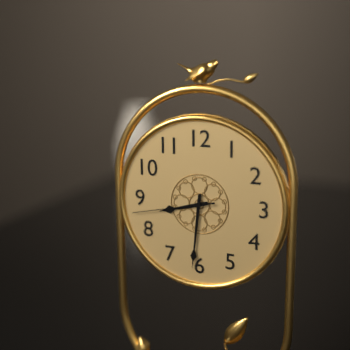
8:31:43
